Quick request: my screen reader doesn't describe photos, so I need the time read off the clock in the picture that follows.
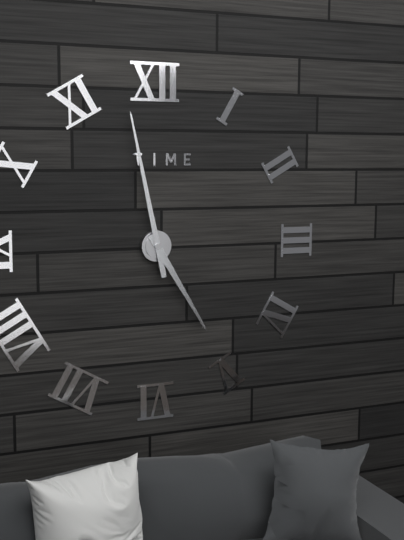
4:58
